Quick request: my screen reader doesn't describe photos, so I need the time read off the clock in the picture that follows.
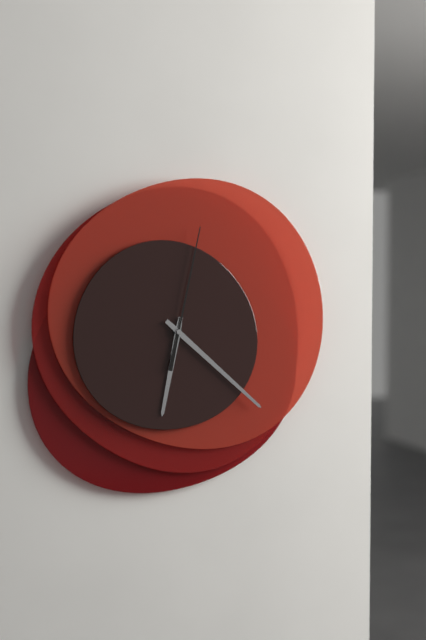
6:22:02
